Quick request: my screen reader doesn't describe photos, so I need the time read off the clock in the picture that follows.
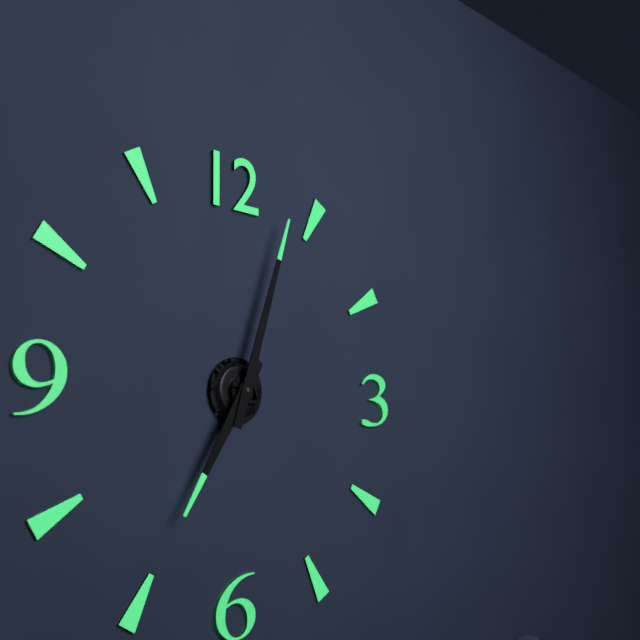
7:03
